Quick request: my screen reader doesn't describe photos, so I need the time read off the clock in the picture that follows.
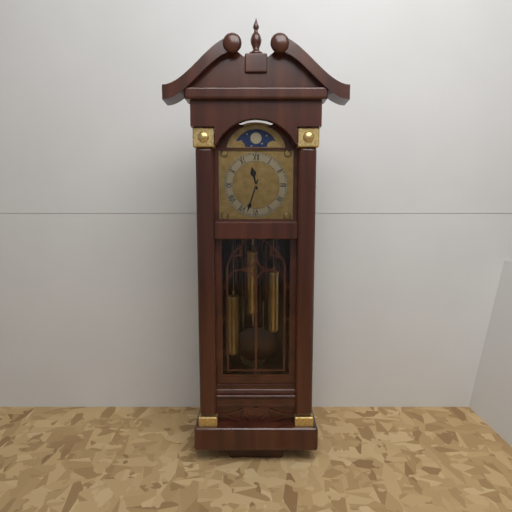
11:33
